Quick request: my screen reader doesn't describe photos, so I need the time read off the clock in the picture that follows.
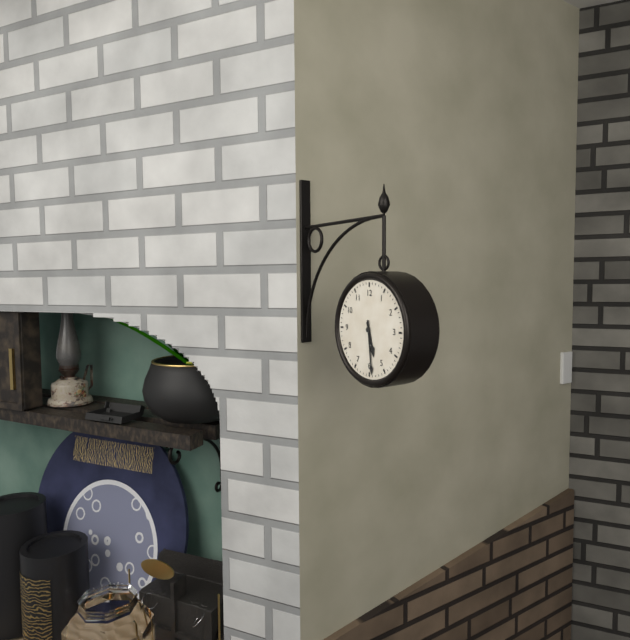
5:29
